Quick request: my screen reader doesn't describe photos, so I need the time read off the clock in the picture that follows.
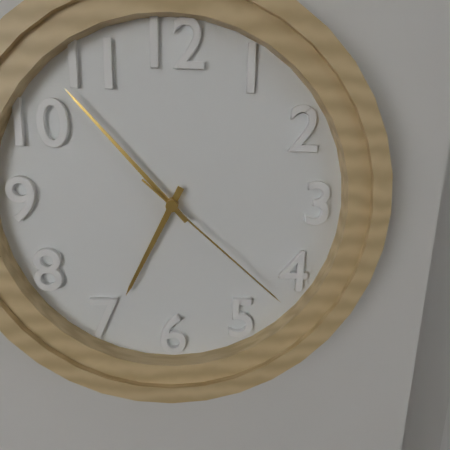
6:53:22
